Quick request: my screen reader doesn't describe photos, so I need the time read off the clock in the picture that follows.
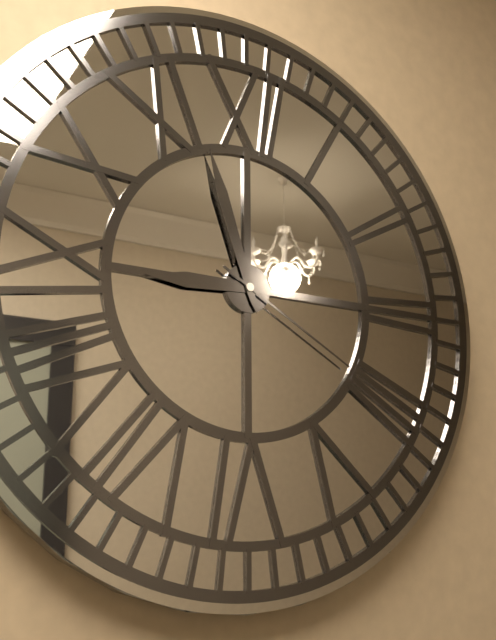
8:57:20
